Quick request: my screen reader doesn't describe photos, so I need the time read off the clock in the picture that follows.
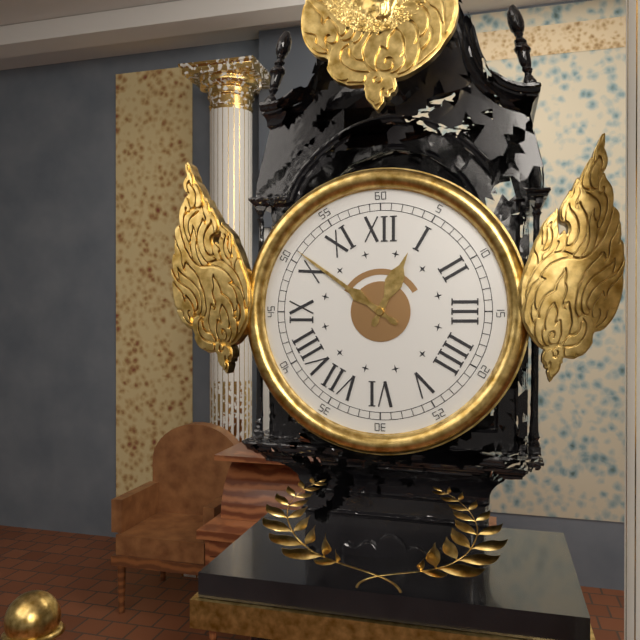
12:51
